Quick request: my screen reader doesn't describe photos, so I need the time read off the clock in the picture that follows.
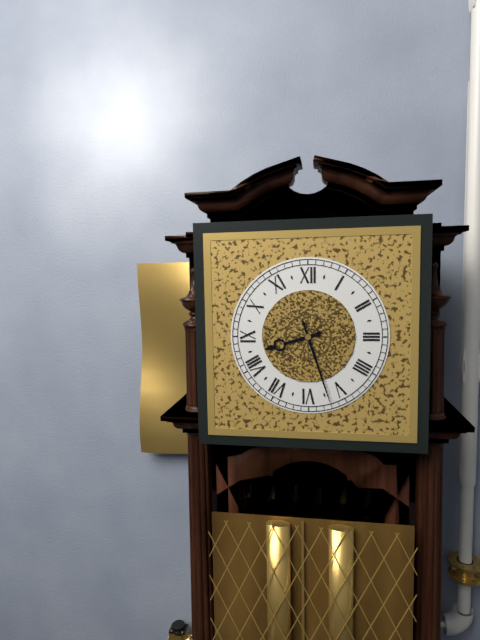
8:27
